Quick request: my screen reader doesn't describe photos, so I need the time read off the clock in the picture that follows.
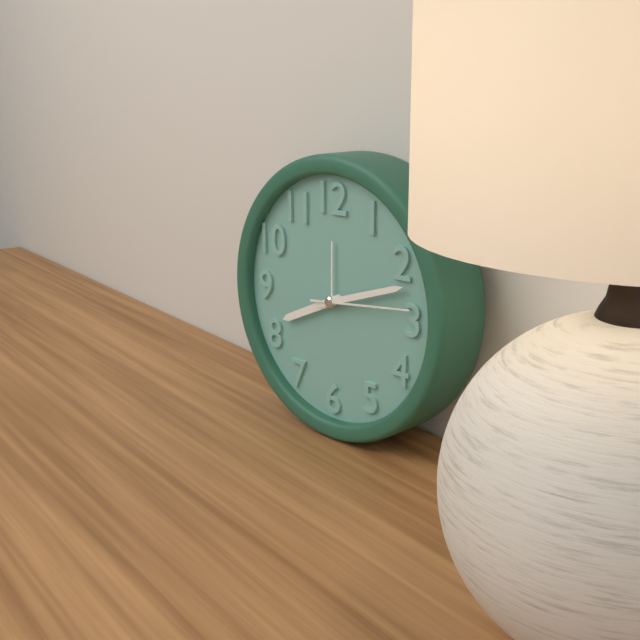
8:12:14
